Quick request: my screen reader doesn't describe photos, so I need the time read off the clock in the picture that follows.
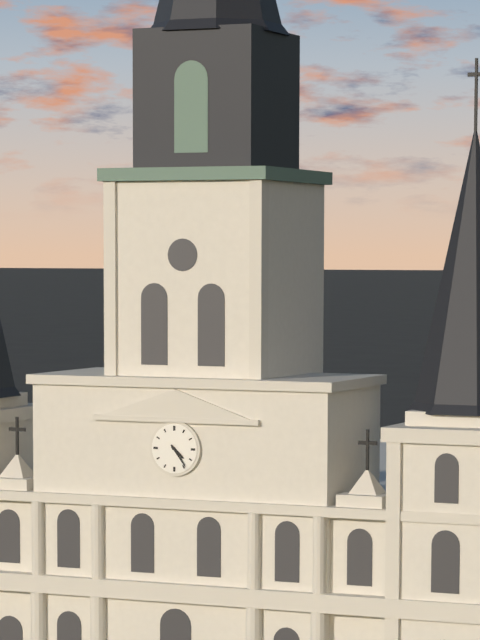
4:24
